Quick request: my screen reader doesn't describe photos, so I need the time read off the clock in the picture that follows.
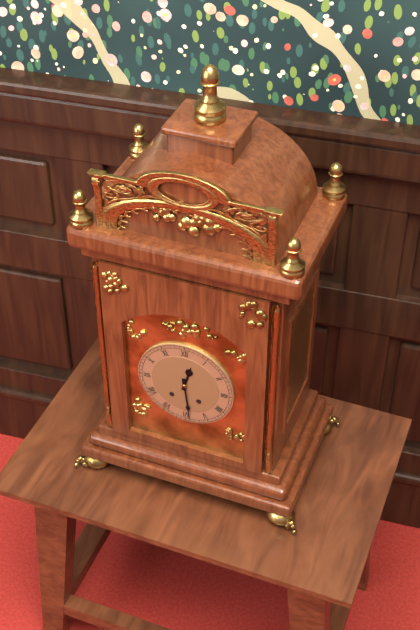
12:29
